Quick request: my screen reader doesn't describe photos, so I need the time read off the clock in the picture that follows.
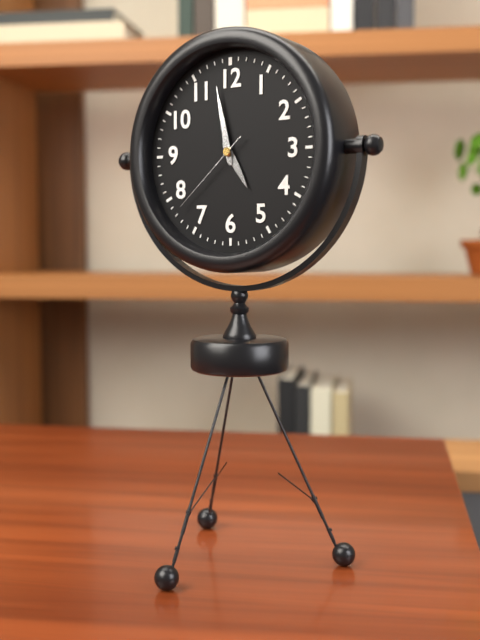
4:58:38
